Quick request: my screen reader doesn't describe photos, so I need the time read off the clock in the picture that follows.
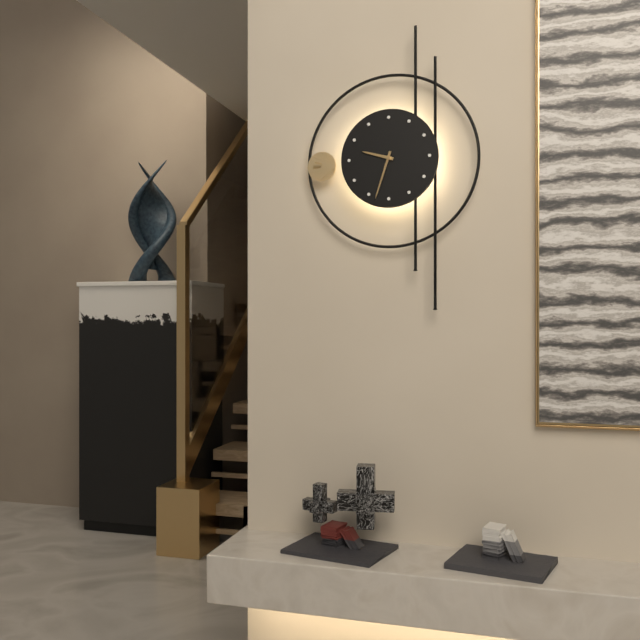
9:33
